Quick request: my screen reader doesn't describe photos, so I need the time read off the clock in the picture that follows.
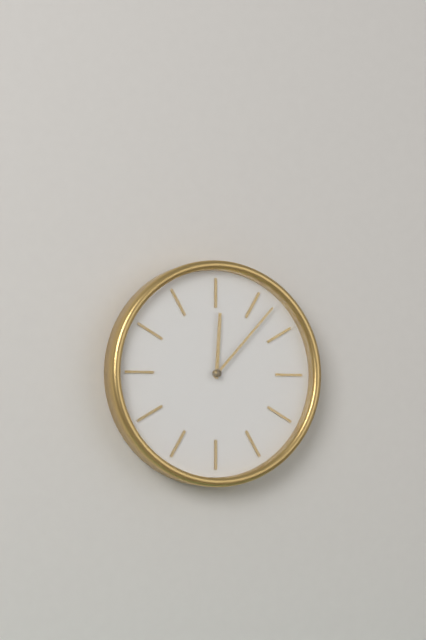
12:07
